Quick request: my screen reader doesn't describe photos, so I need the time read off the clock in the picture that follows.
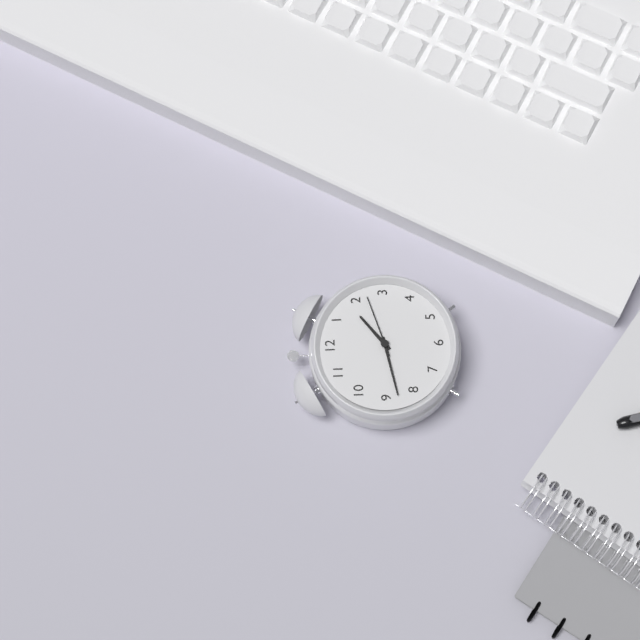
1:43:12
